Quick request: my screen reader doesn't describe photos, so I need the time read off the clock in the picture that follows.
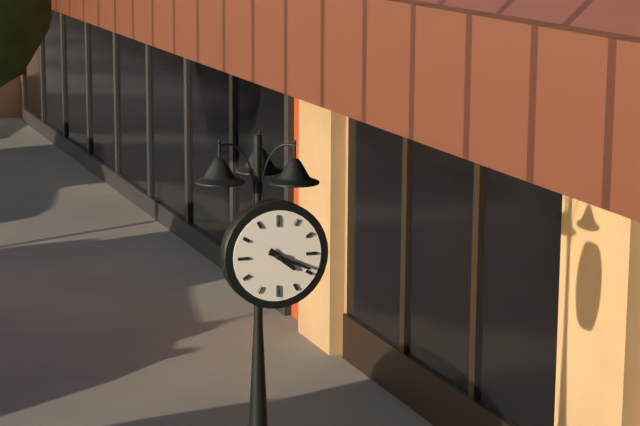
4:19
